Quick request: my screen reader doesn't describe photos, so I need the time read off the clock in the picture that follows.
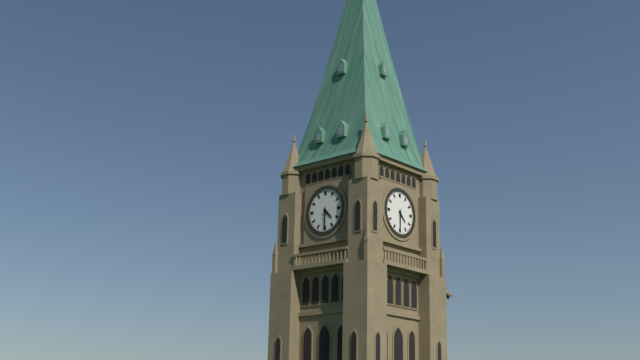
4:30
